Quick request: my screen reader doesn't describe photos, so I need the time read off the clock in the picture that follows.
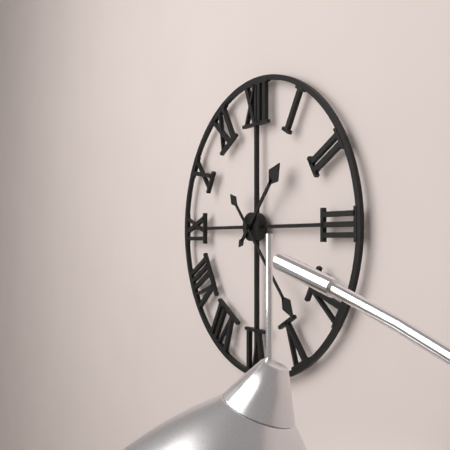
1:23
